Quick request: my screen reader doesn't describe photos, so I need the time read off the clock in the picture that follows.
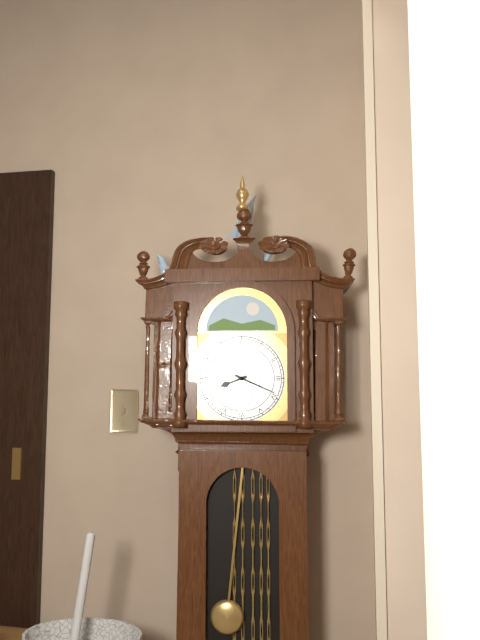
8:19
